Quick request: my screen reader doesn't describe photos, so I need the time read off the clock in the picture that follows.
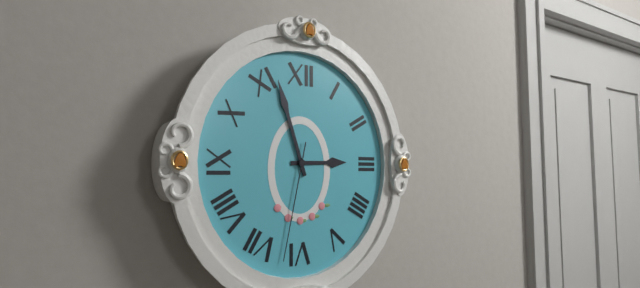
2:57:32
